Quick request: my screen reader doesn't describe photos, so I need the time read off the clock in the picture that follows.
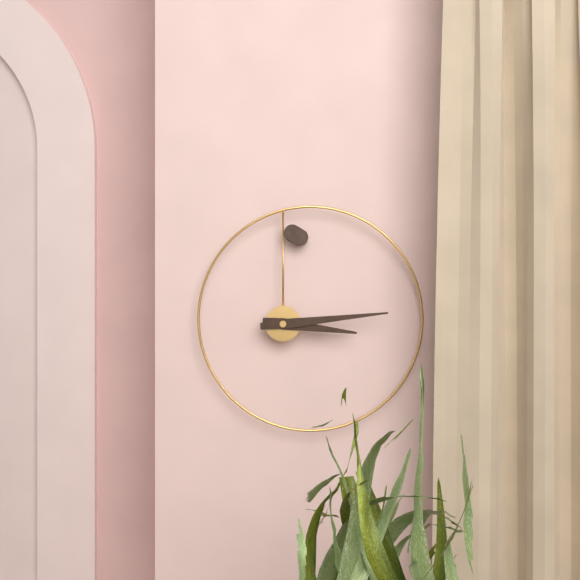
3:14
